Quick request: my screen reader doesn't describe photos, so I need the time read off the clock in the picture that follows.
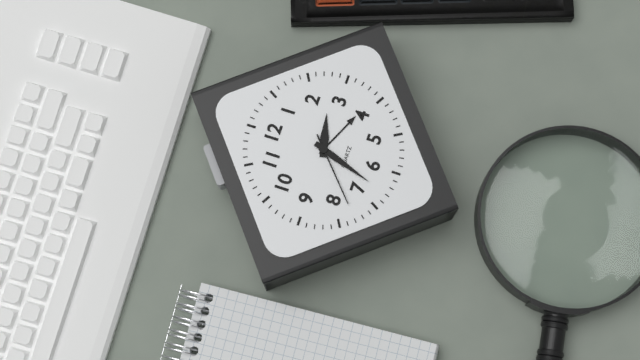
2:33:38
